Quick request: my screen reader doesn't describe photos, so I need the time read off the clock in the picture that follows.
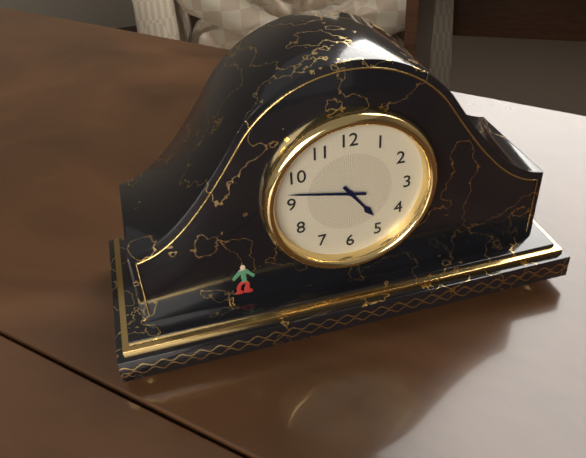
4:47
